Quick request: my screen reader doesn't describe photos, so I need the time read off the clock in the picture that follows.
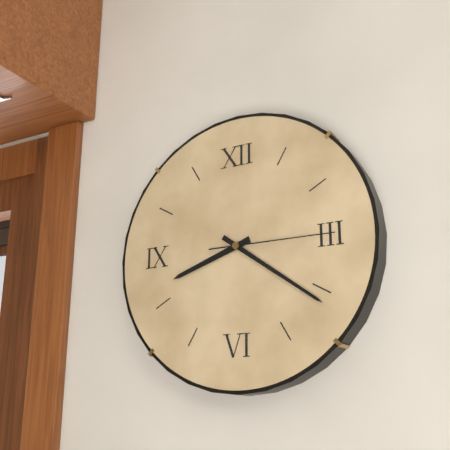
8:21:15
